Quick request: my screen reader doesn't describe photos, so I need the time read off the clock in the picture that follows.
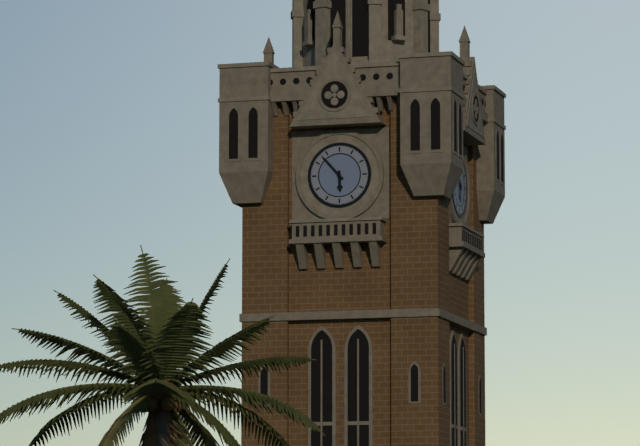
5:53
